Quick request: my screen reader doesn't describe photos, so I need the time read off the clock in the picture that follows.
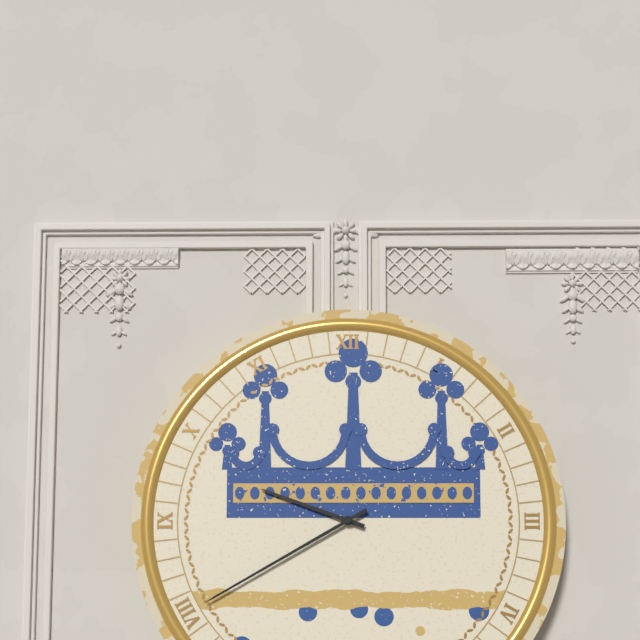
9:40
